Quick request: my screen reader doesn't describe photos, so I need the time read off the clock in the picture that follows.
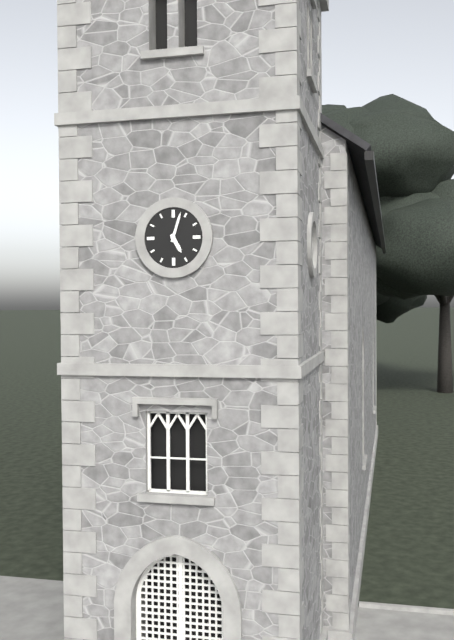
5:03
